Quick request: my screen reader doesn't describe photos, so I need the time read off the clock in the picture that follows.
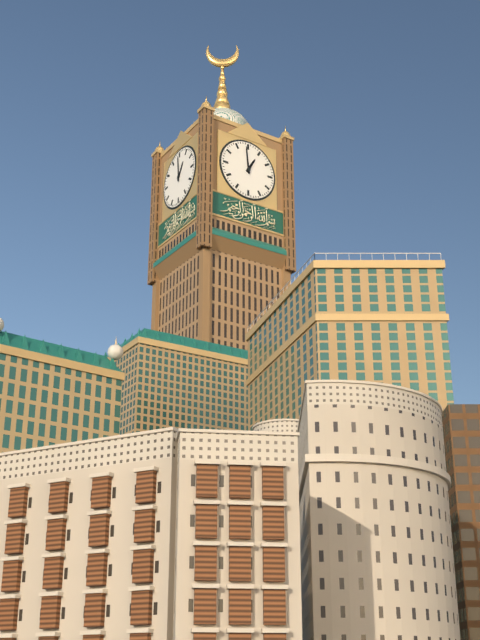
12:59
